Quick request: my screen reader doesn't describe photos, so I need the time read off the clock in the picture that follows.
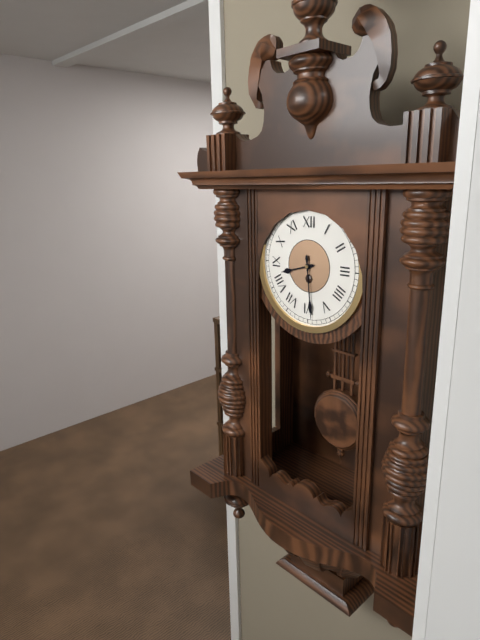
8:29
